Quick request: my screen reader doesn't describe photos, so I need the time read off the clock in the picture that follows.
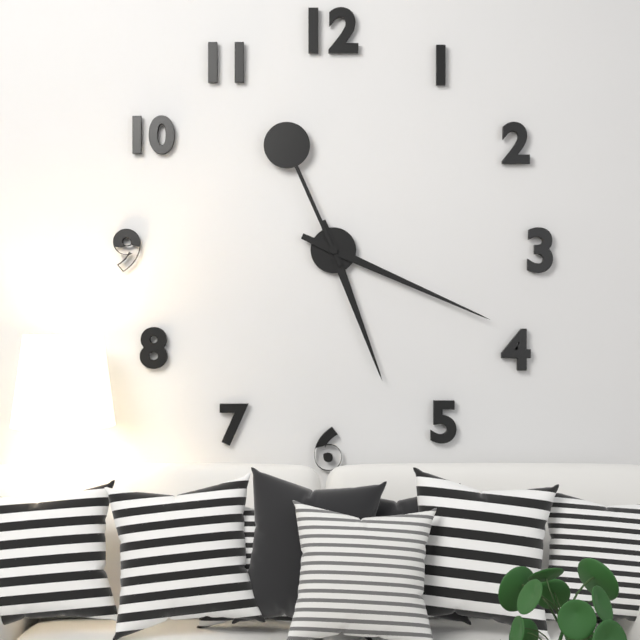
5:19:56
